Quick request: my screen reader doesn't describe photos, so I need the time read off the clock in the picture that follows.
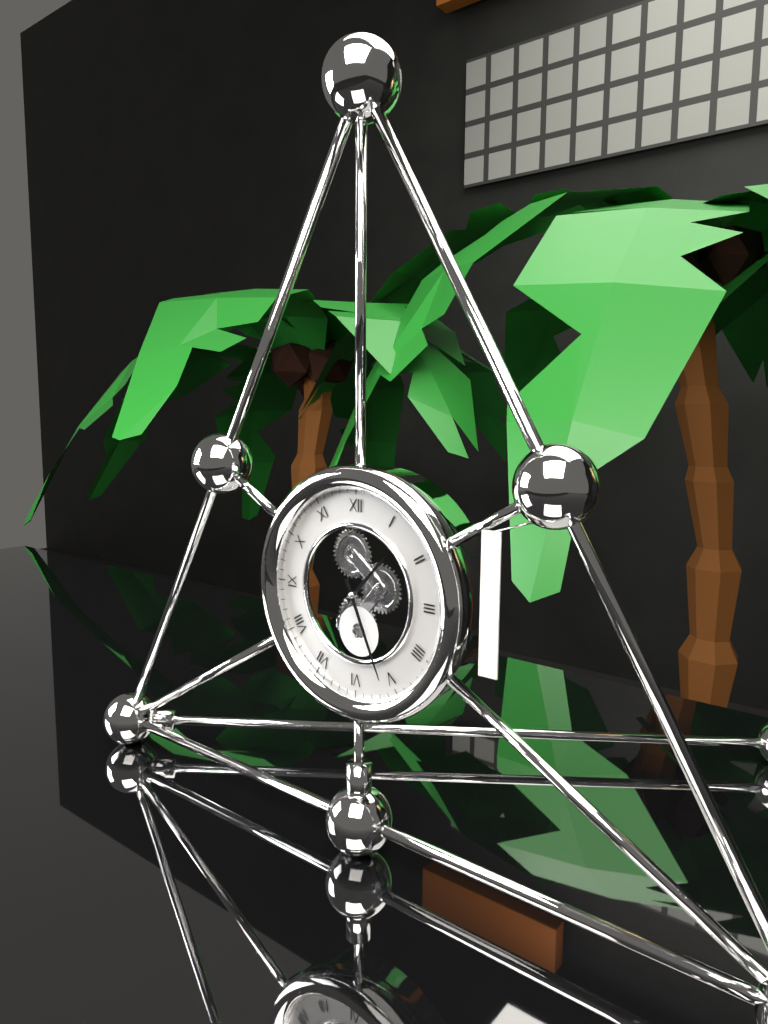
1:26
